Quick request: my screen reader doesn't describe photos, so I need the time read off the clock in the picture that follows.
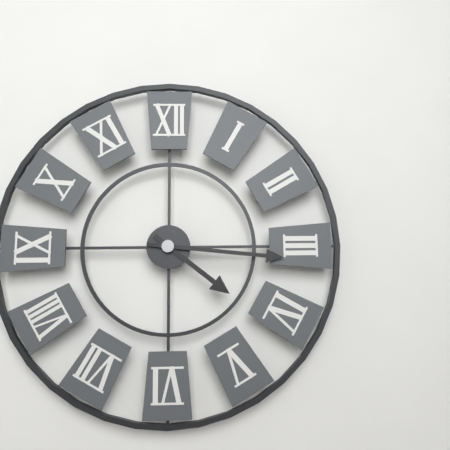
4:16
